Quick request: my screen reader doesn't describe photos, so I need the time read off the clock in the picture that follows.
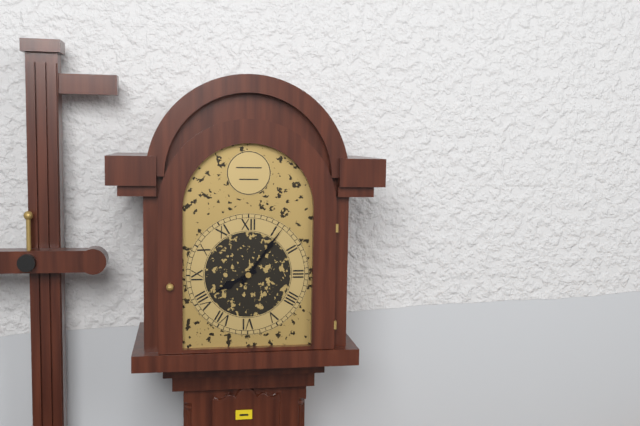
8:06
